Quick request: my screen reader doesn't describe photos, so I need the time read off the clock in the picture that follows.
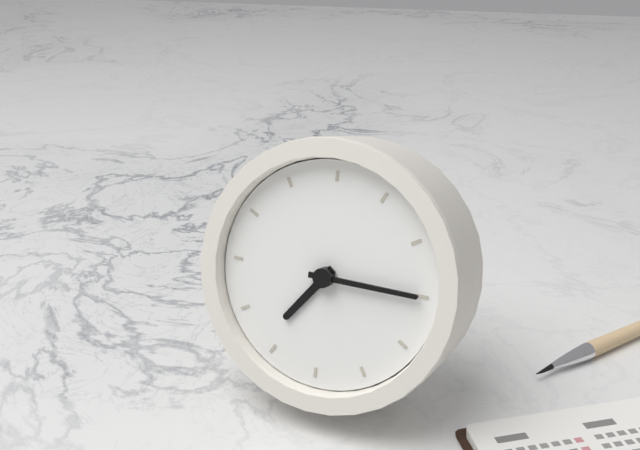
7:15
